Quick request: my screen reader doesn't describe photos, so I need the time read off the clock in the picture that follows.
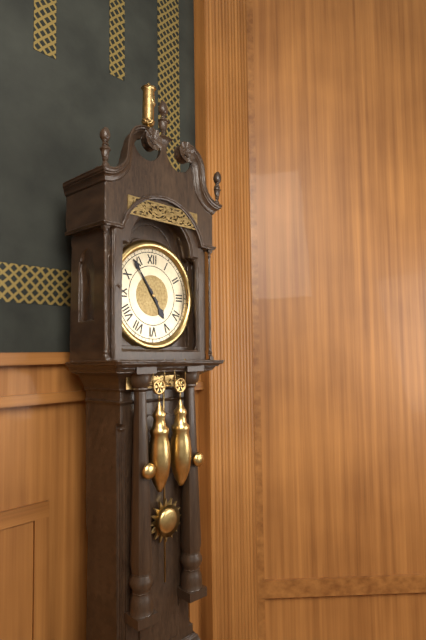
4:54
